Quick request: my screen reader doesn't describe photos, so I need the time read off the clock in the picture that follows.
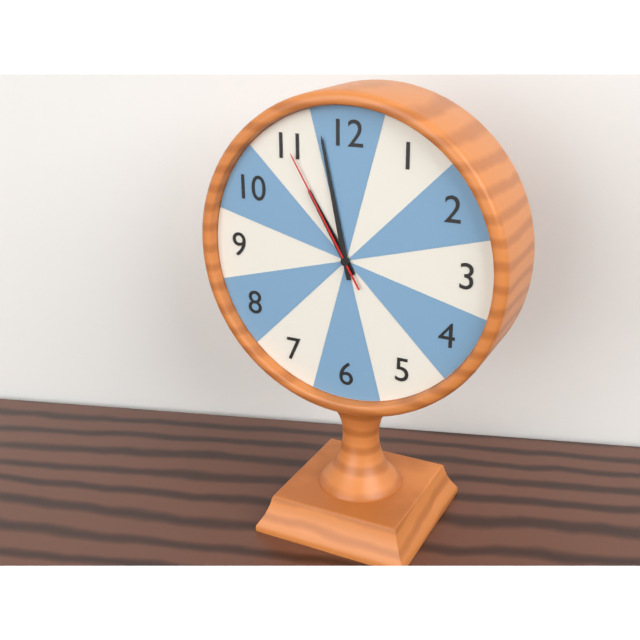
10:58:55
